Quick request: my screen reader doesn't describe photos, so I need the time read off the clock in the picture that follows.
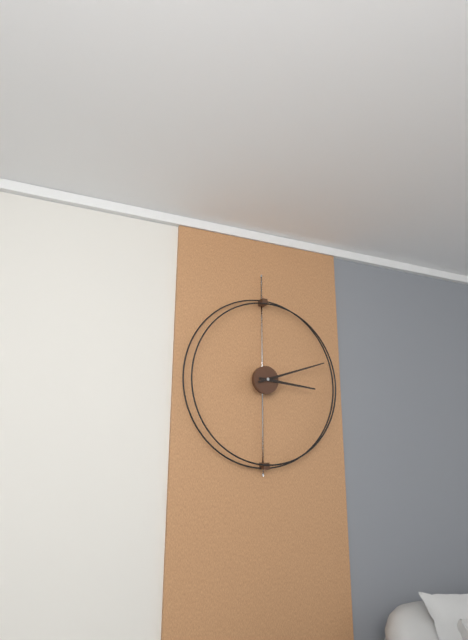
3:12
